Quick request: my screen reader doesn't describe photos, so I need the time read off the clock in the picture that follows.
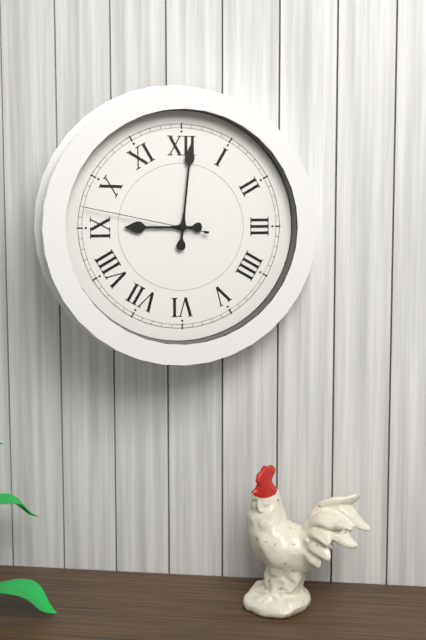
9:01:47
